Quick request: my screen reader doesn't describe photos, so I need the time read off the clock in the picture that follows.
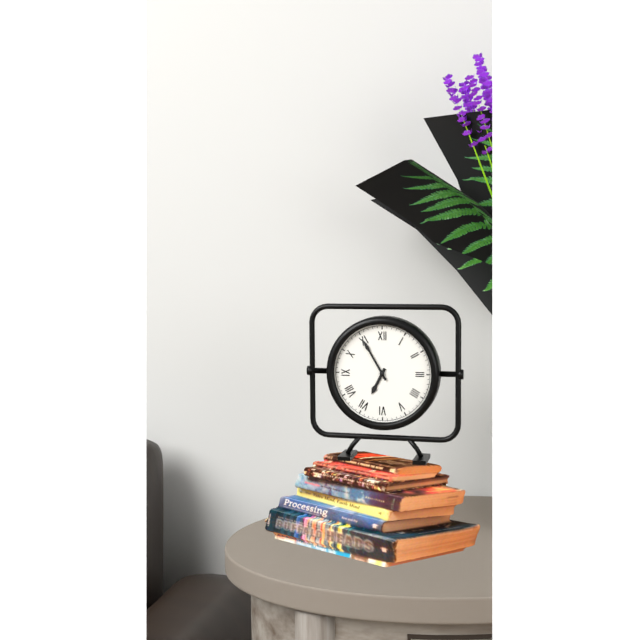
6:55
